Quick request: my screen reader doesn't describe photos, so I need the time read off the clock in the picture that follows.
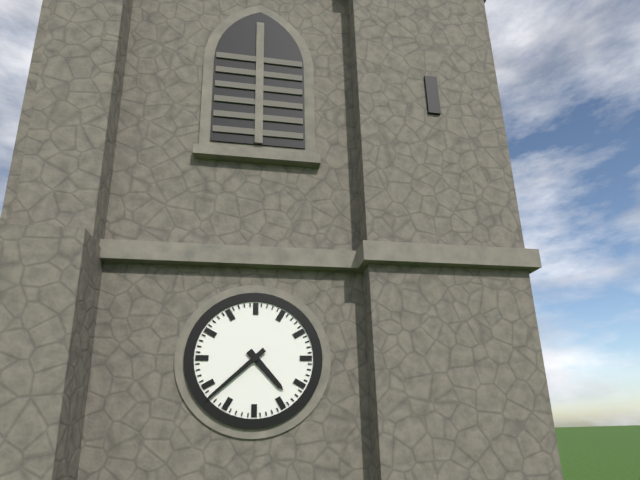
4:38
